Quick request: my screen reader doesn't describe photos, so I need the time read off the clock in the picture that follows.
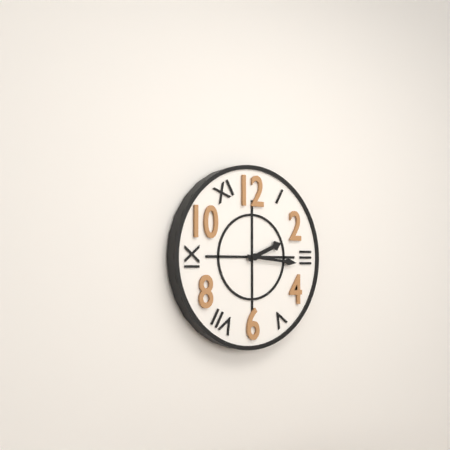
2:16
